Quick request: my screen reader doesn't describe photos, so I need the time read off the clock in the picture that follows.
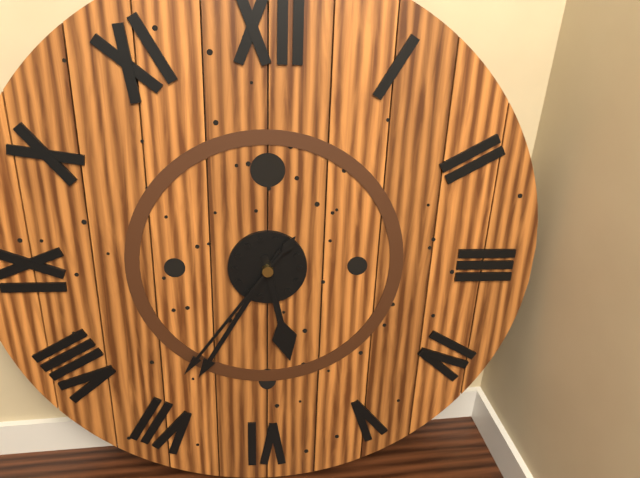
5:35:36
